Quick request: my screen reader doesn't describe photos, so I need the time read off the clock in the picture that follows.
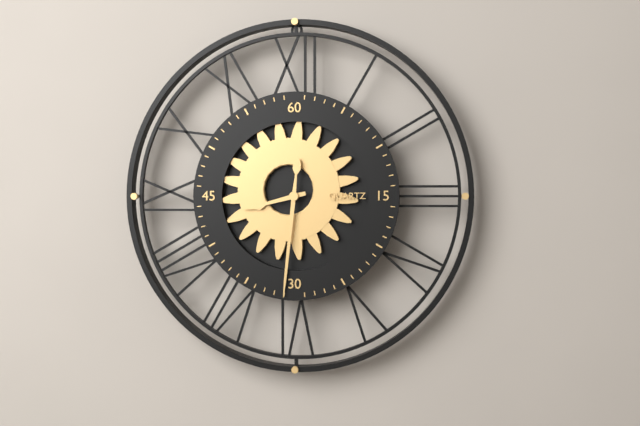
8:31
